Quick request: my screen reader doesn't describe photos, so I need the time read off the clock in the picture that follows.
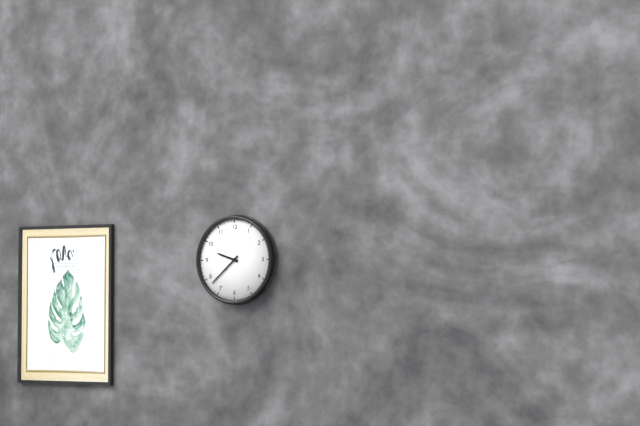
9:38
